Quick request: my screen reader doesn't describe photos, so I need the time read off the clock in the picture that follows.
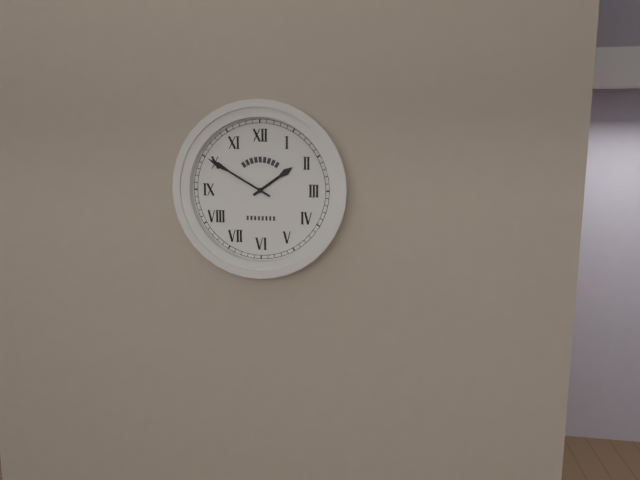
1:50
